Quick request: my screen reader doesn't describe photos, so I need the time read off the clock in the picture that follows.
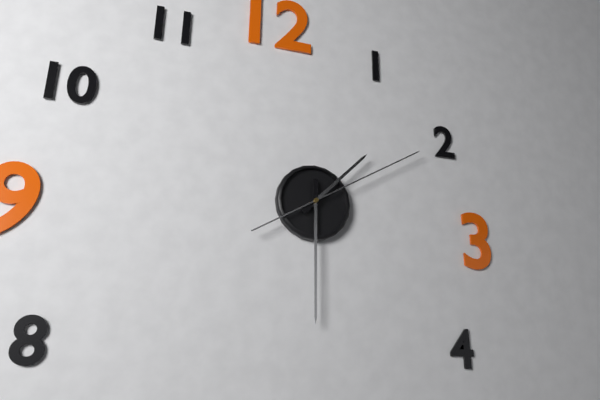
1:30:10
